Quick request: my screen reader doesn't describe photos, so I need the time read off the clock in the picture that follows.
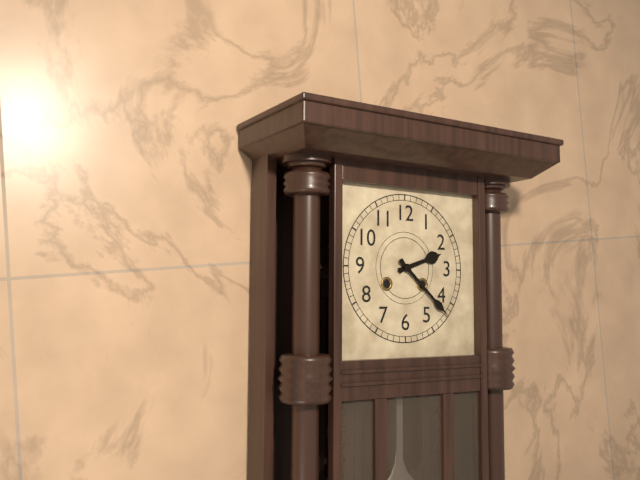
2:22
